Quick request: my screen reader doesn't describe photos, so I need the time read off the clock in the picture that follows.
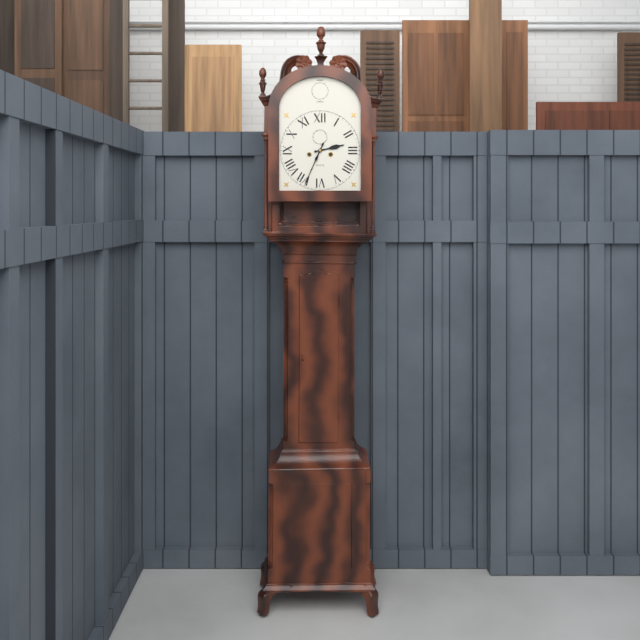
2:34
